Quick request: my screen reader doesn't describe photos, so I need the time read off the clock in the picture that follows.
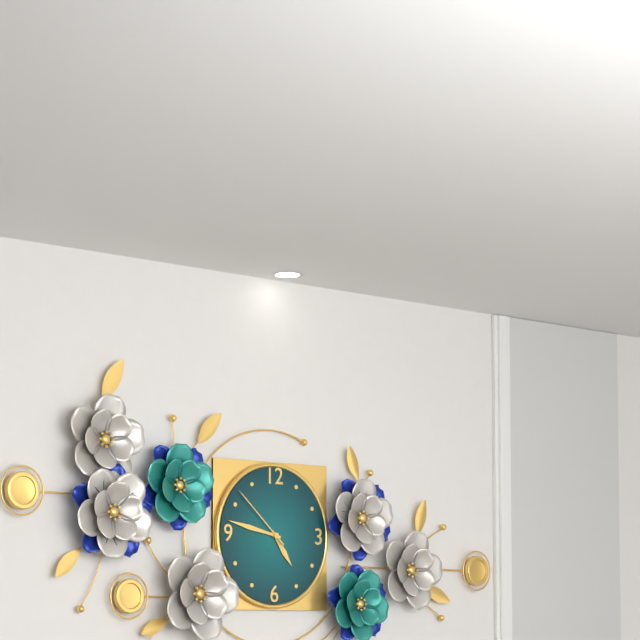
4:47:52
